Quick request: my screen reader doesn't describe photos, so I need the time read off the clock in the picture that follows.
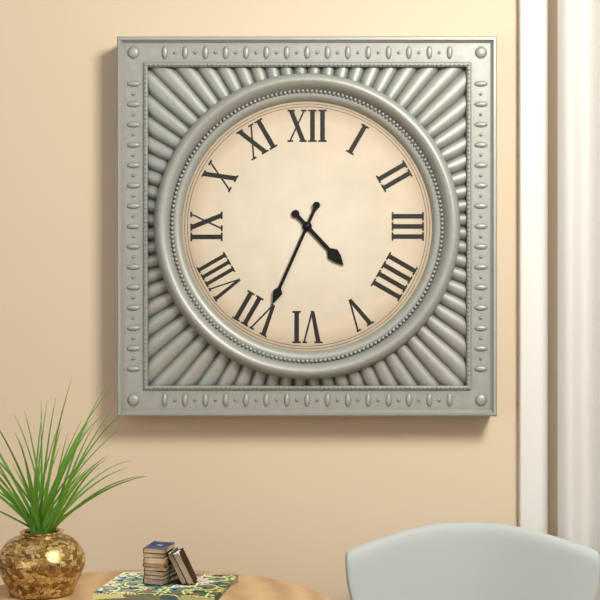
4:34
